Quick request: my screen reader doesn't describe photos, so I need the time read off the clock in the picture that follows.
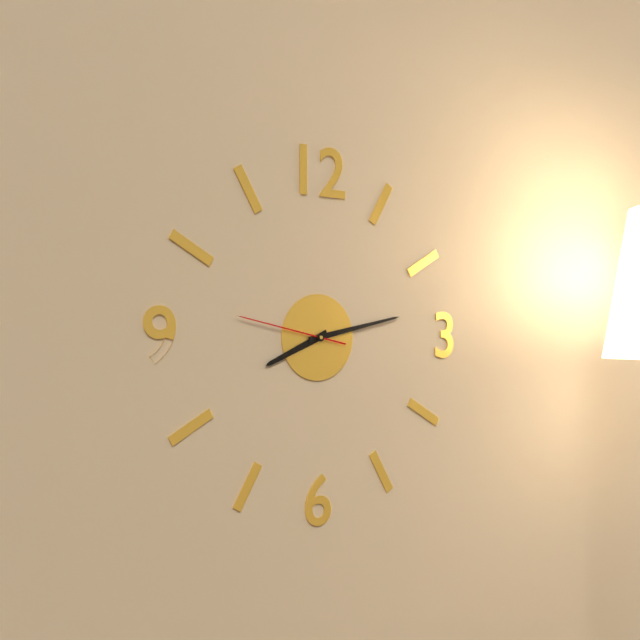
8:13:47
